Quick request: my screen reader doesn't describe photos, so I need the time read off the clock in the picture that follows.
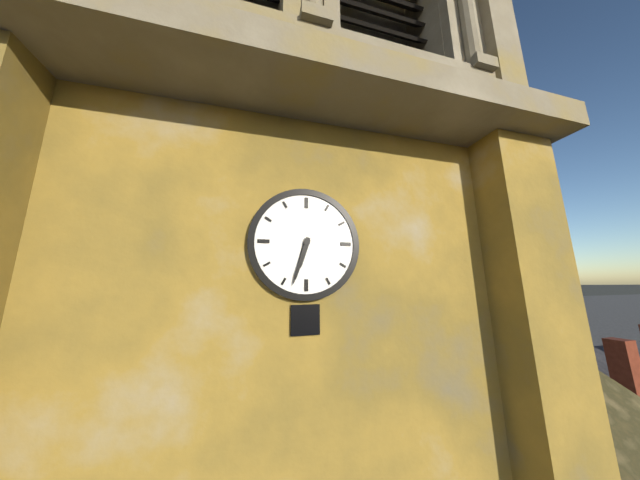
6:33
